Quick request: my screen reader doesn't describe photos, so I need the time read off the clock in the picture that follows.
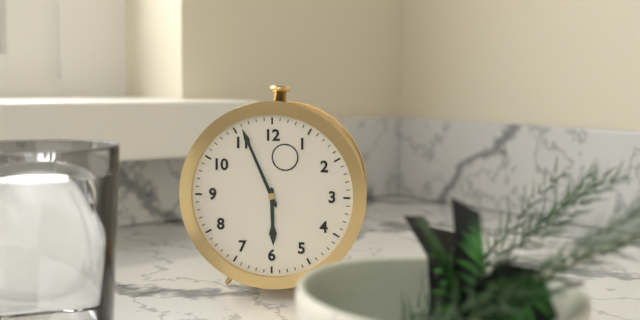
5:56
